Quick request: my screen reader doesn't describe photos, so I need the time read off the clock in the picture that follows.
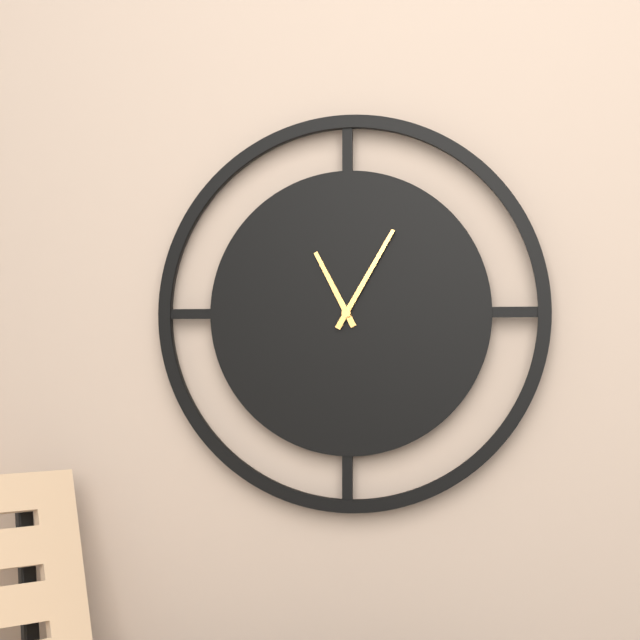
11:05
